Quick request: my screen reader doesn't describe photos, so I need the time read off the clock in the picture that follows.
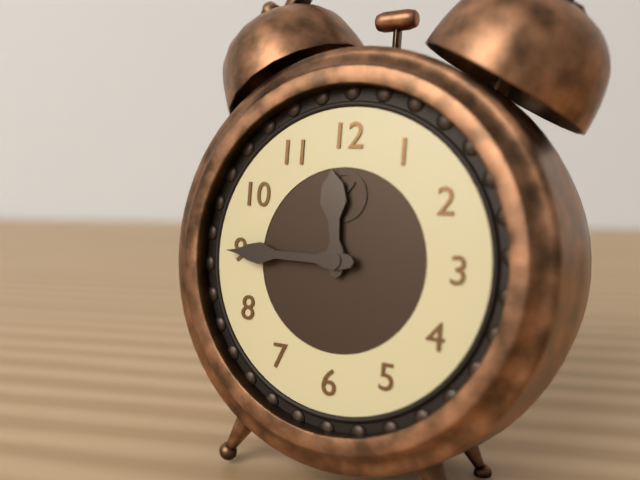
11:45
